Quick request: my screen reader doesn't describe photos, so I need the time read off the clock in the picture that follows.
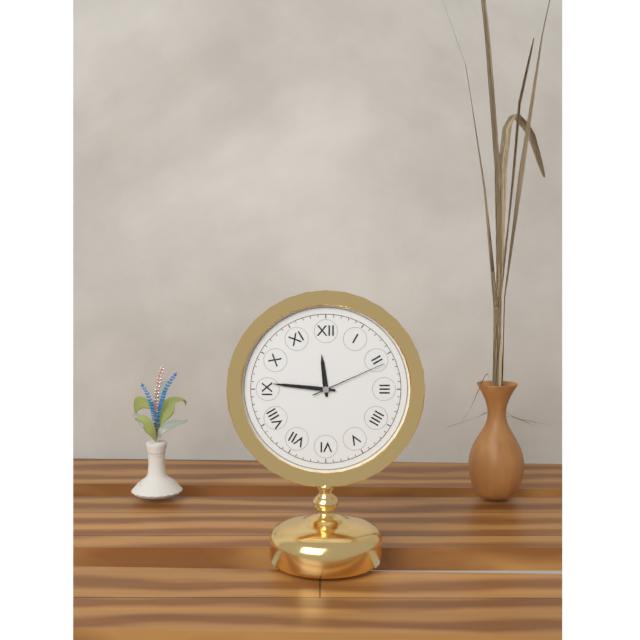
11:46:11
